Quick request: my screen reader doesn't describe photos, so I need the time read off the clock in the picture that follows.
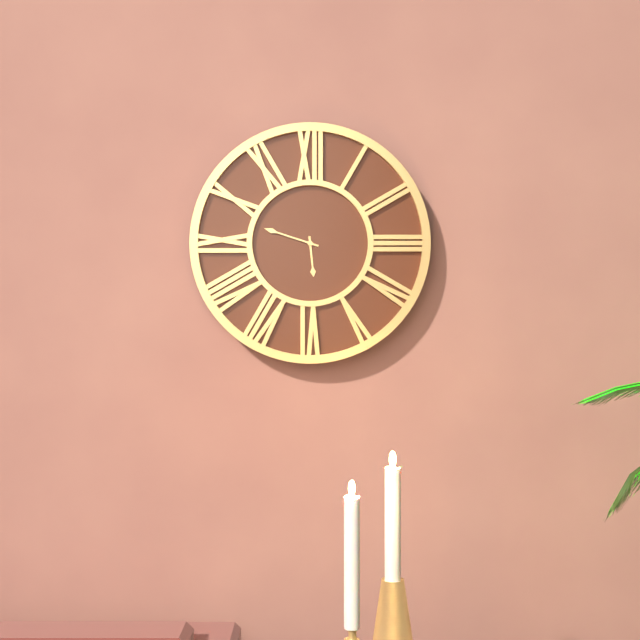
5:48
